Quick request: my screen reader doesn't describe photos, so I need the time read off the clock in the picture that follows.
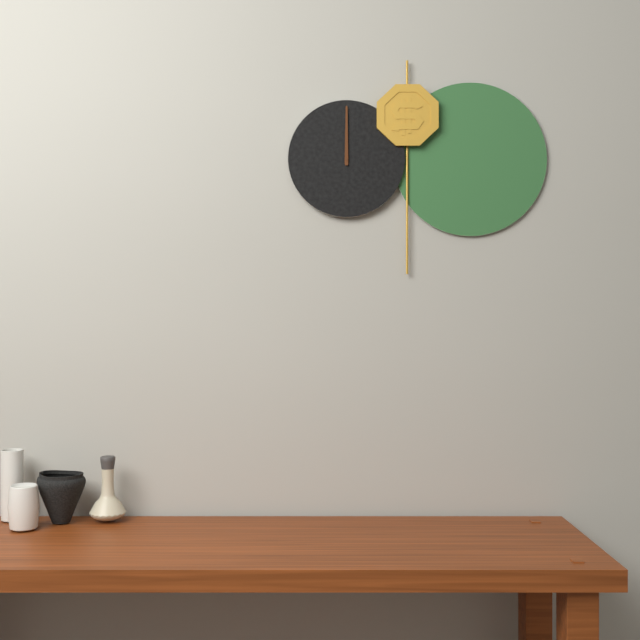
12:00
